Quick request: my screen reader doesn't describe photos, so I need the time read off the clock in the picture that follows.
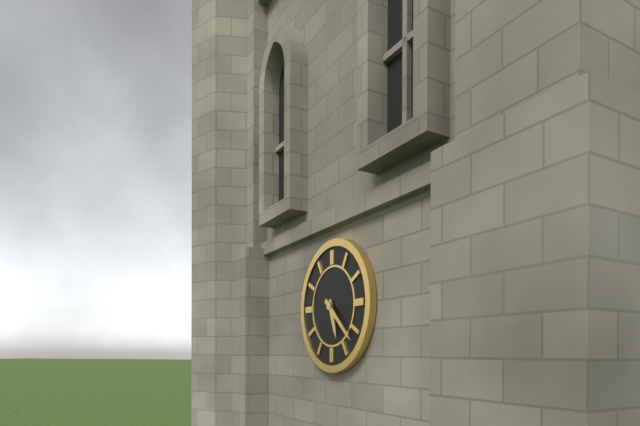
5:22
